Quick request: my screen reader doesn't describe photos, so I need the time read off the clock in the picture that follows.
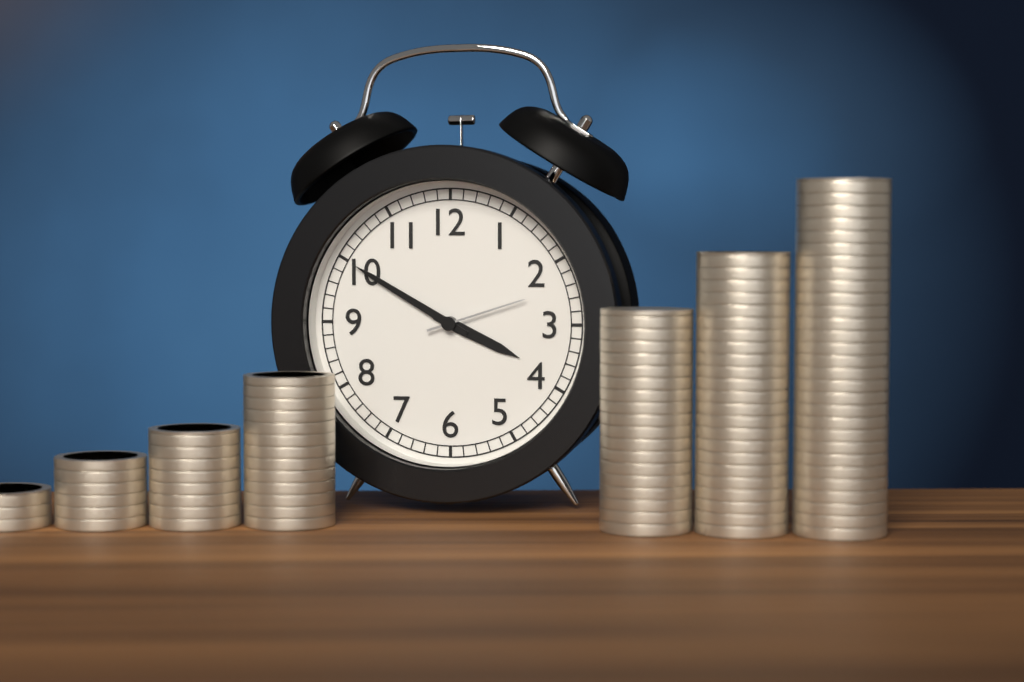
3:50:12
